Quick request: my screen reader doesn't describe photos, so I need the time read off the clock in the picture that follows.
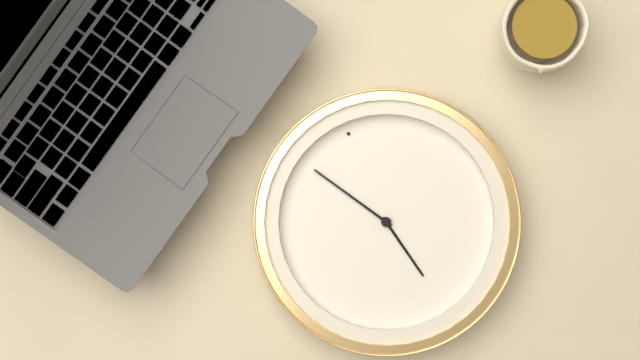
4:51
